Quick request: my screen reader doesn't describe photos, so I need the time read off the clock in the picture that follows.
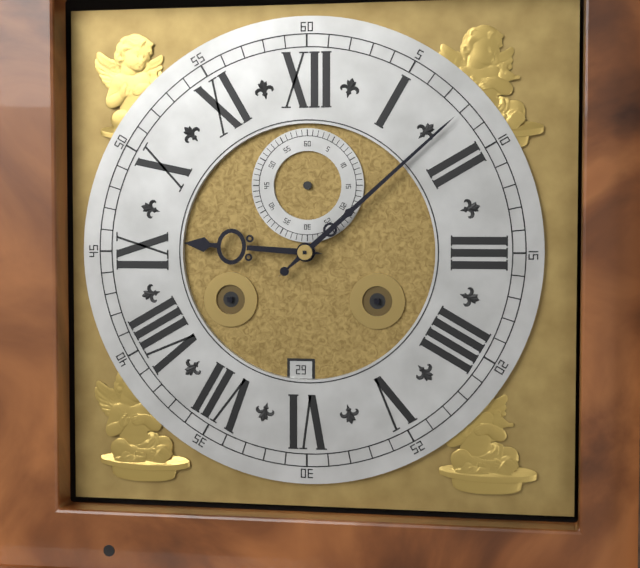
9:08
